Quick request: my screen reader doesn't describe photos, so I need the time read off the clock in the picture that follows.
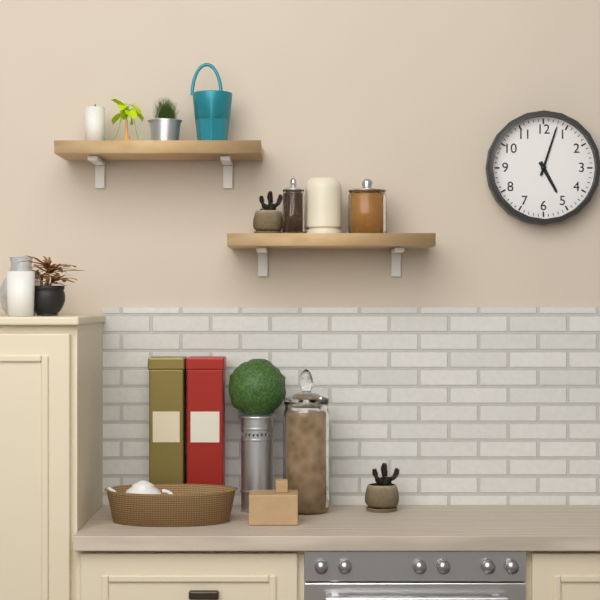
5:03
